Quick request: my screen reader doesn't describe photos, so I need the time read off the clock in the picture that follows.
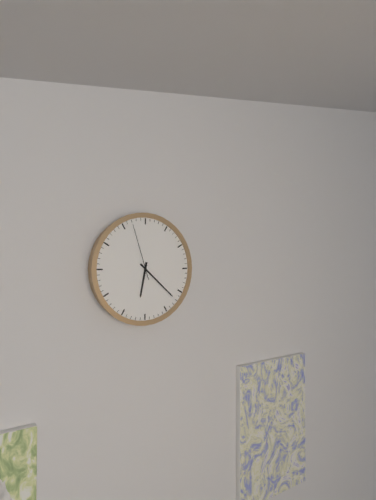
6:22:57
